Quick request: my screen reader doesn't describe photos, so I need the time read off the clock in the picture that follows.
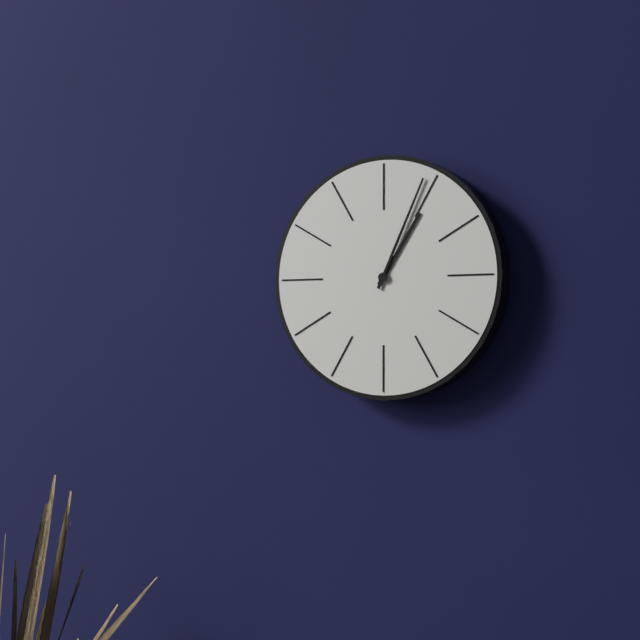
1:04
